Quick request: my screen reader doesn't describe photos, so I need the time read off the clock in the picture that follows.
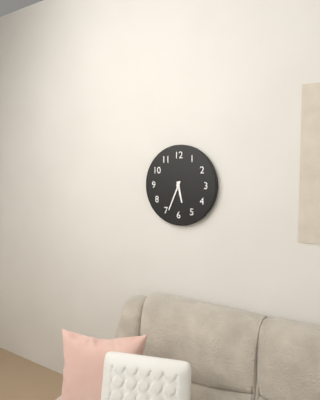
5:34
